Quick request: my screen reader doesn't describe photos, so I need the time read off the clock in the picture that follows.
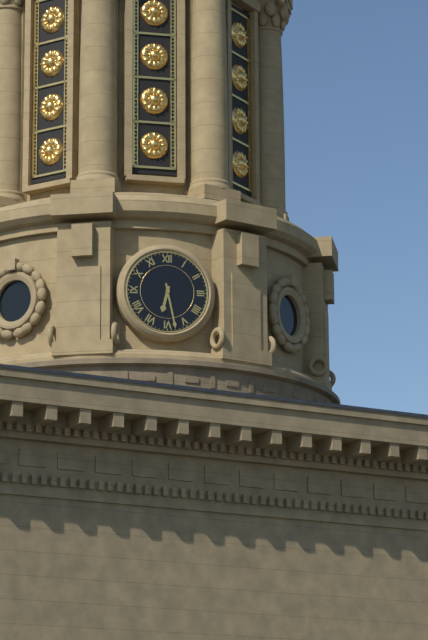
6:28
